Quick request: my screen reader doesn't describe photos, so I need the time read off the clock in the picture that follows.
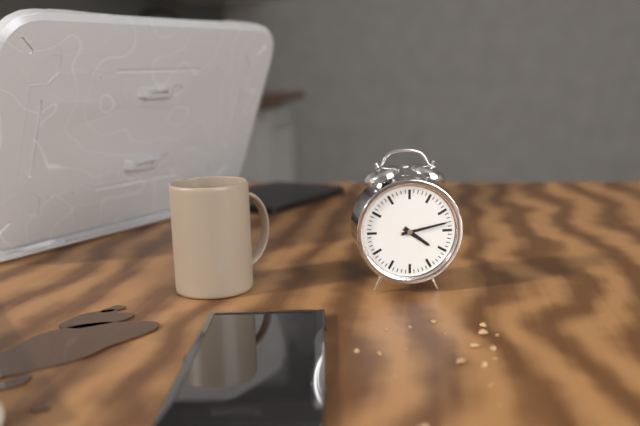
4:13
